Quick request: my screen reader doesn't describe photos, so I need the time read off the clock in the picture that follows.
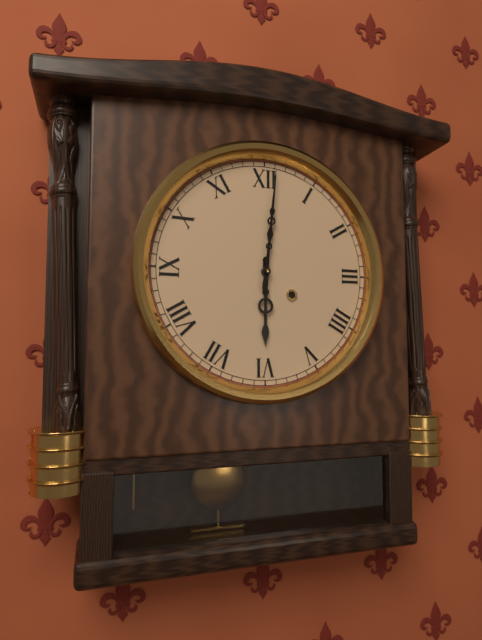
6:01
